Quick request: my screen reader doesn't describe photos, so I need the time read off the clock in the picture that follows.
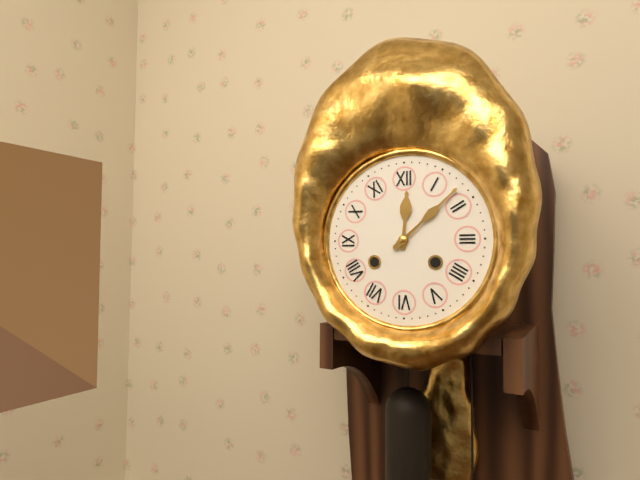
12:08
